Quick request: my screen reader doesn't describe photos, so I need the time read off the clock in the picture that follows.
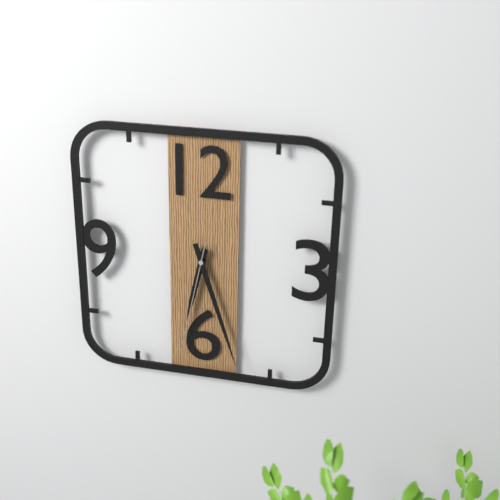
6:27:32
